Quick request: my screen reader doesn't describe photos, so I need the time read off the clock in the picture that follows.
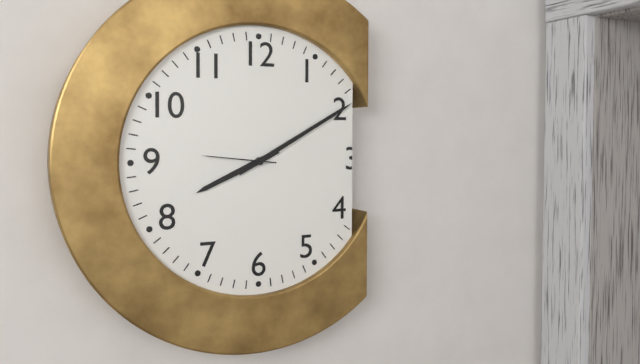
8:10:46
